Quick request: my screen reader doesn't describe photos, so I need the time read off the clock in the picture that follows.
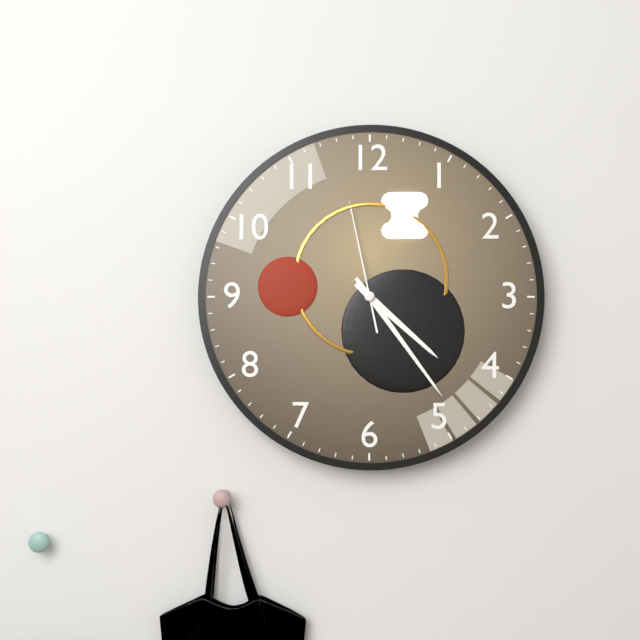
4:24:58
